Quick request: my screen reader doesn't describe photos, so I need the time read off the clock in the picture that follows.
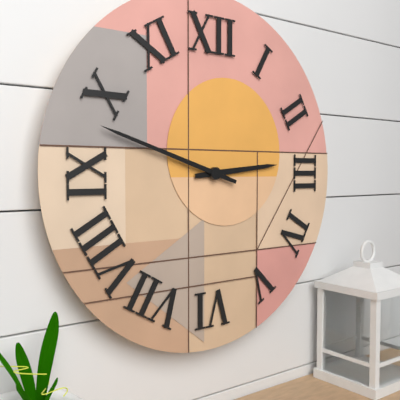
2:48
